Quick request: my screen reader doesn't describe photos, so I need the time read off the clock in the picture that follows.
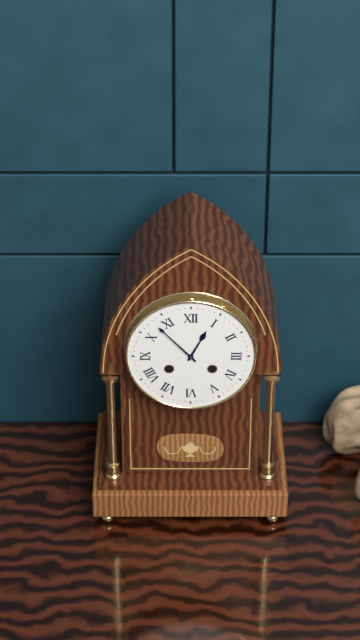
12:53
